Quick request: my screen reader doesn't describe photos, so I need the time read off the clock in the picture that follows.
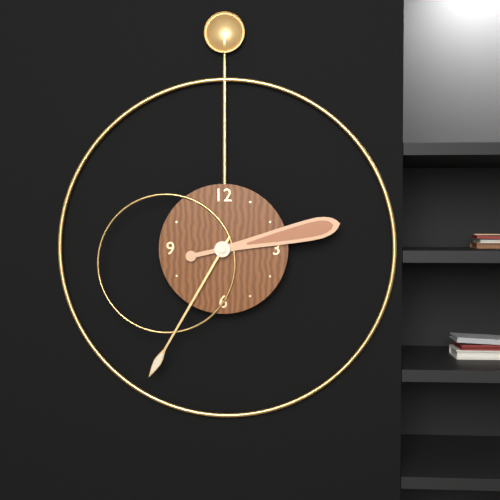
2:35
